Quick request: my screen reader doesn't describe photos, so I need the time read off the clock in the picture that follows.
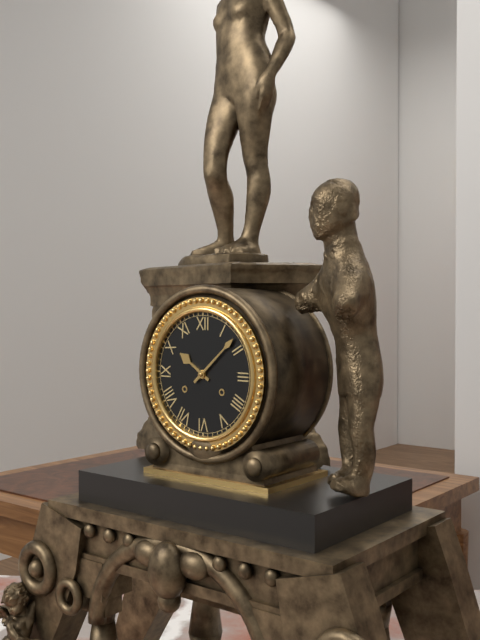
10:08
